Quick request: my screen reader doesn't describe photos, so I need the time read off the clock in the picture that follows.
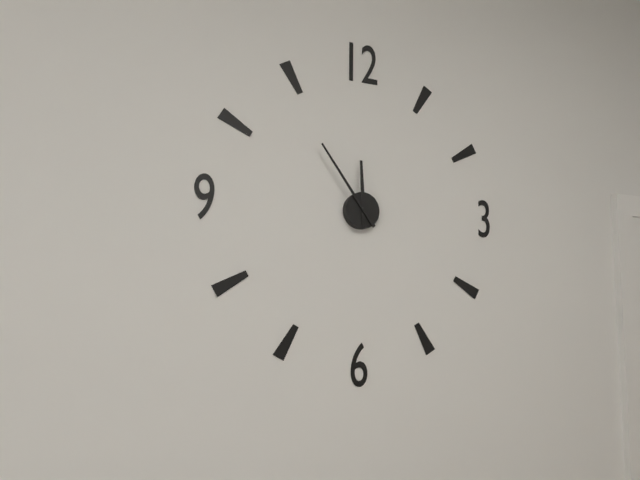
11:54
